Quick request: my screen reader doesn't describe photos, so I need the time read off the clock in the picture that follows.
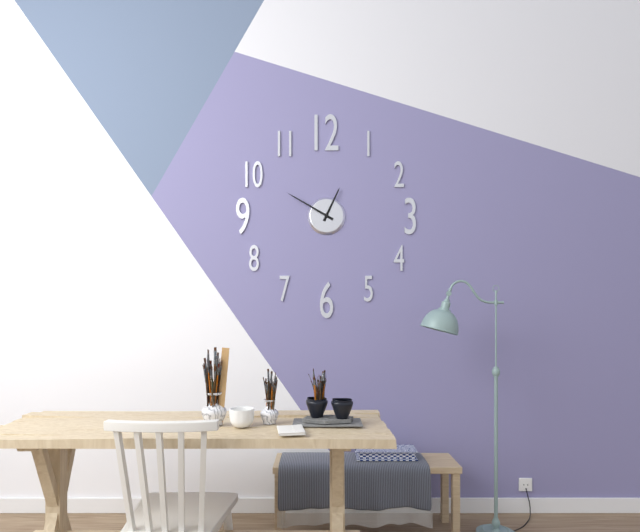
12:50
